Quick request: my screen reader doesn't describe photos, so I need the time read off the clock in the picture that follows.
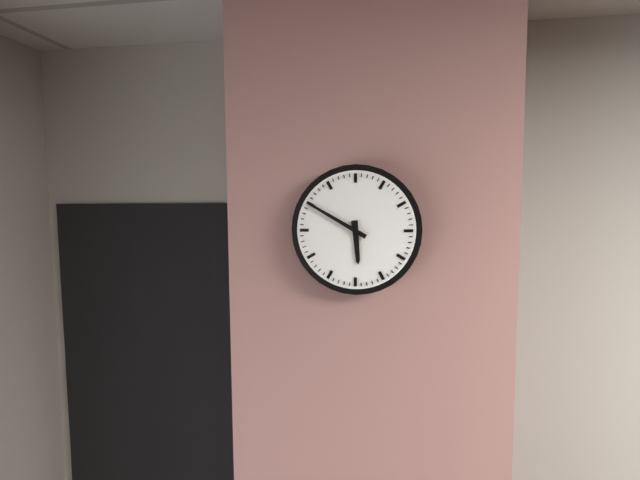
5:50
